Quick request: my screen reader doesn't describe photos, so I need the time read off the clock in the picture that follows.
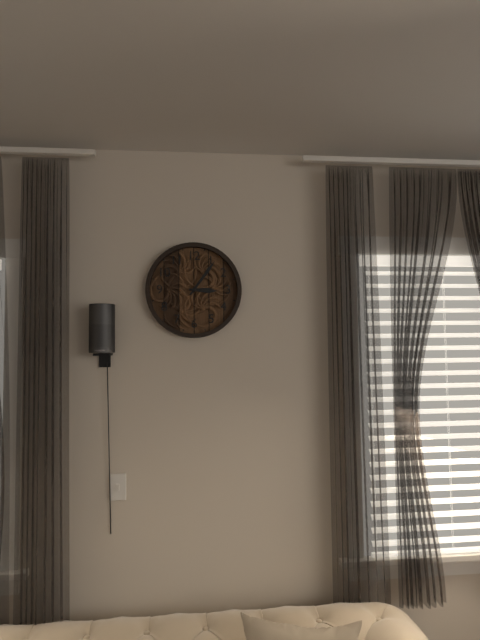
3:06
